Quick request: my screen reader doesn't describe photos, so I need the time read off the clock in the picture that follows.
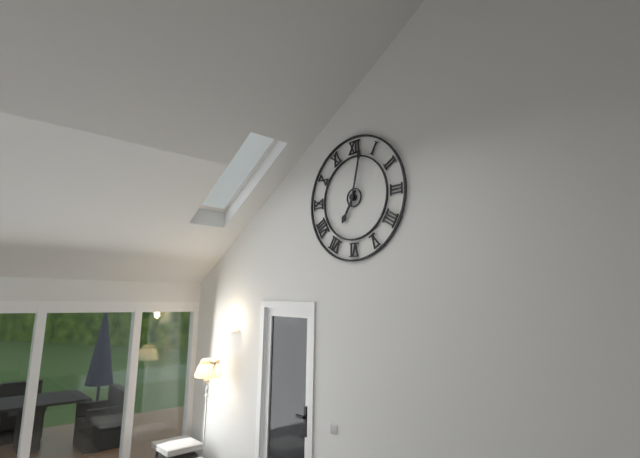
7:02
